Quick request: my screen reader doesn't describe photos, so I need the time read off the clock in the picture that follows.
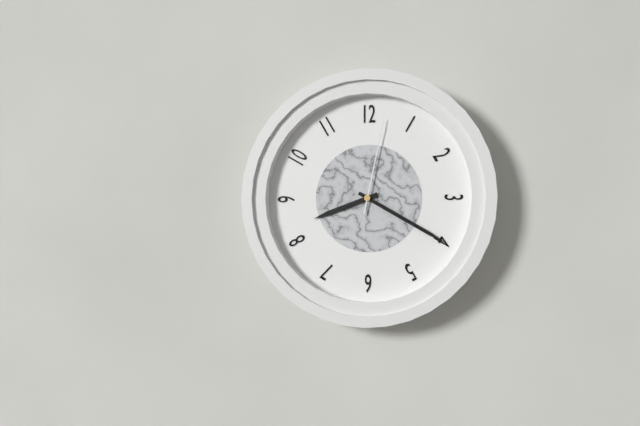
8:20:02
